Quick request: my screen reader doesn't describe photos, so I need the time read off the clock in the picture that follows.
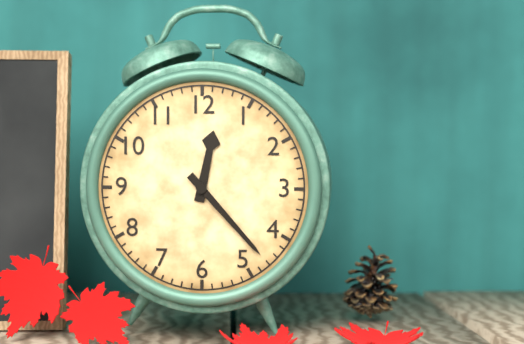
12:23
